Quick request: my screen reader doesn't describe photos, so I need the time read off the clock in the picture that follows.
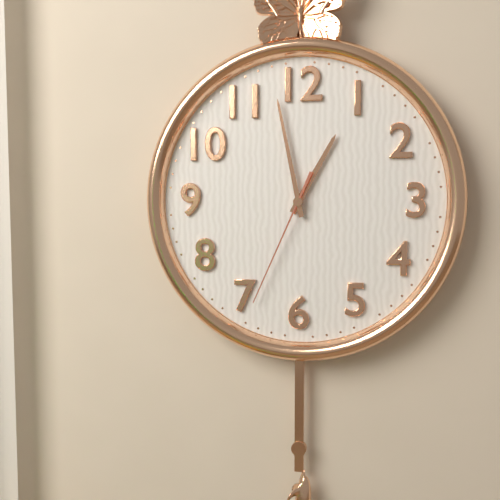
12:58:34
